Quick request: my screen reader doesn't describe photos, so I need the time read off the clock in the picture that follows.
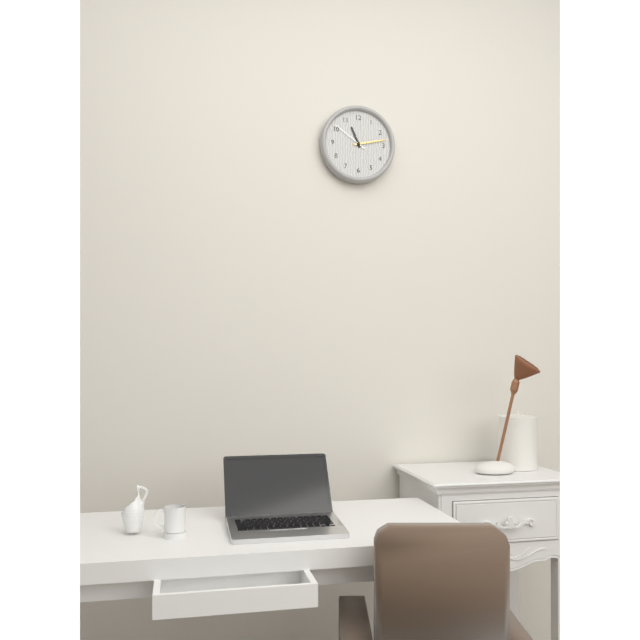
11:13
